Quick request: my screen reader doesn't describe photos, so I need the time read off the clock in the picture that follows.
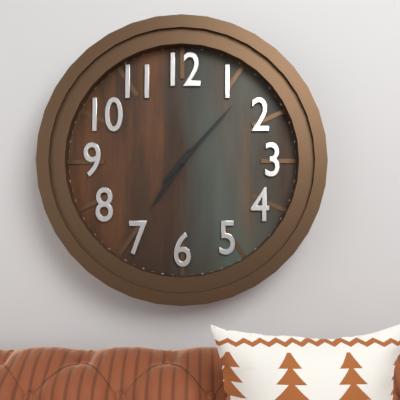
7:07
